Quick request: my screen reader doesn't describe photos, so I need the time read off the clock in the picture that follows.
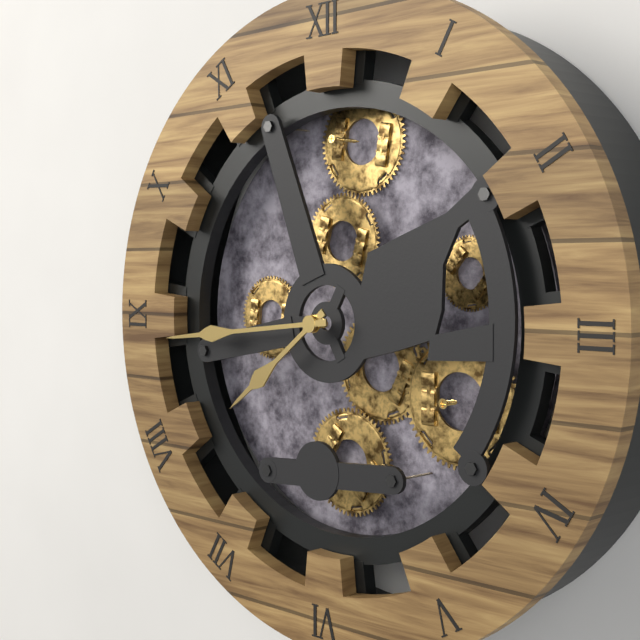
7:44
